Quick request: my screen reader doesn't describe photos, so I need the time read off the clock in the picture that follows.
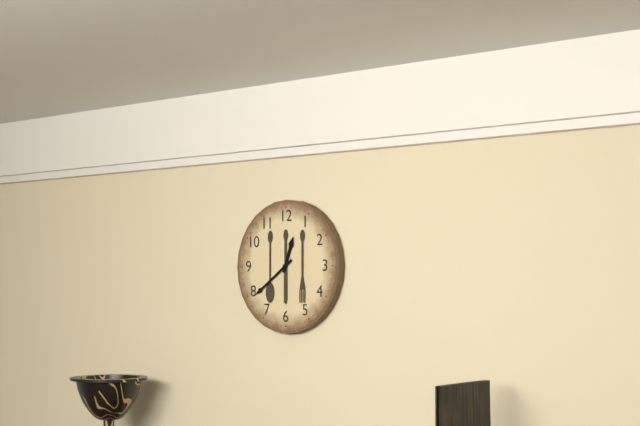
12:39
